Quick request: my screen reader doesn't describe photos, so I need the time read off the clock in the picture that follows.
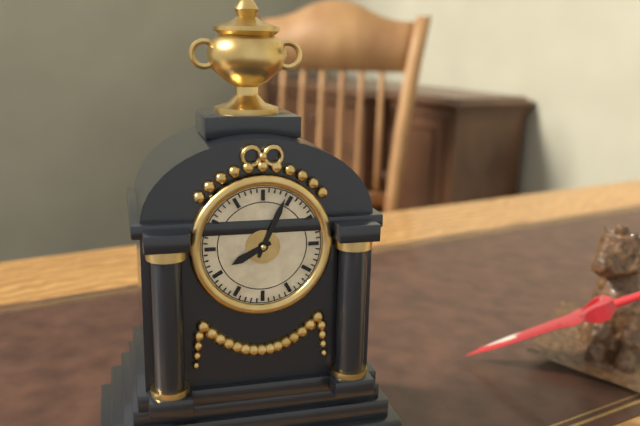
8:04
